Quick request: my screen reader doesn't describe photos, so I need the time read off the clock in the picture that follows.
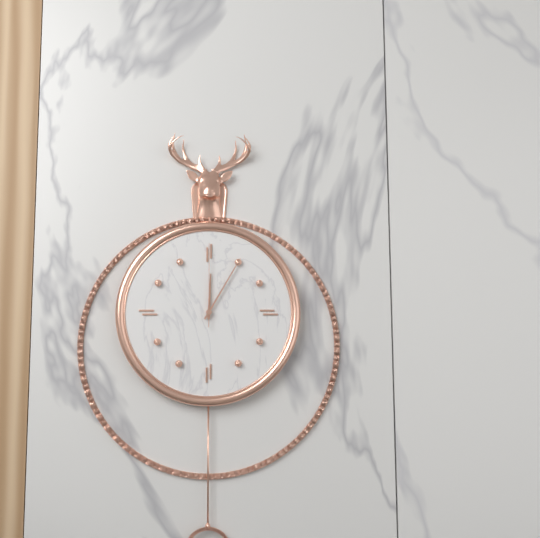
12:05:00
